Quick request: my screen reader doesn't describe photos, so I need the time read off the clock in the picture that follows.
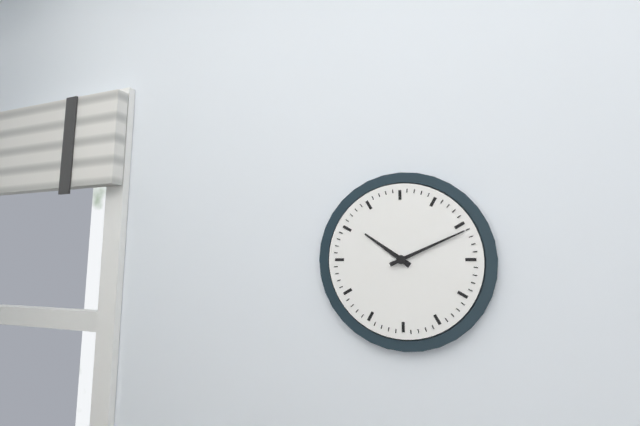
10:11
